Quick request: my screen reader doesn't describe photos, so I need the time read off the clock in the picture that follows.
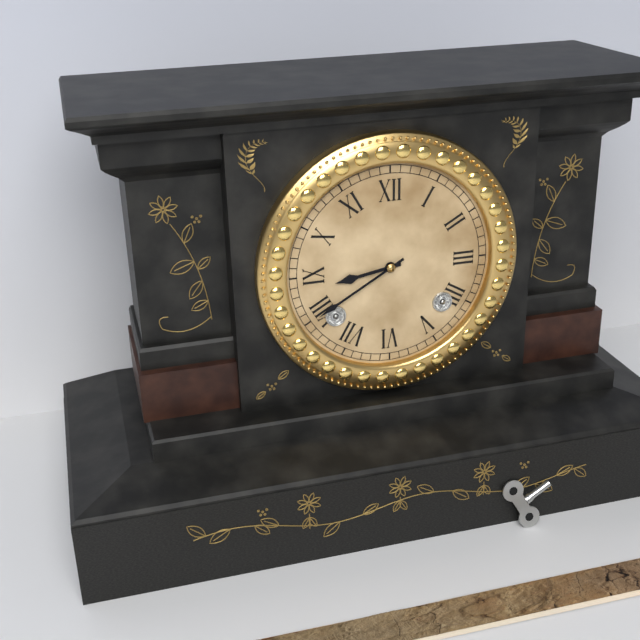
8:40
